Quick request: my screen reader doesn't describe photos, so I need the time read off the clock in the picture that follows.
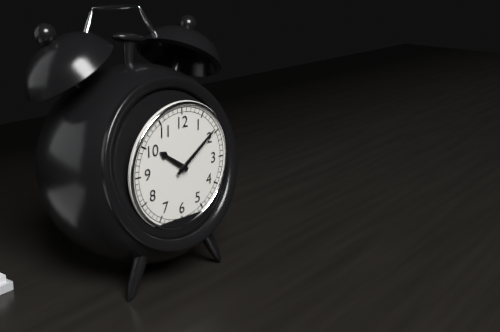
10:09
